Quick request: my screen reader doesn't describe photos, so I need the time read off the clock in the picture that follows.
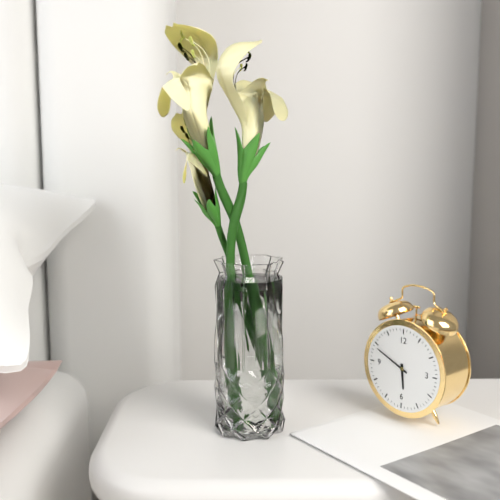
5:49
